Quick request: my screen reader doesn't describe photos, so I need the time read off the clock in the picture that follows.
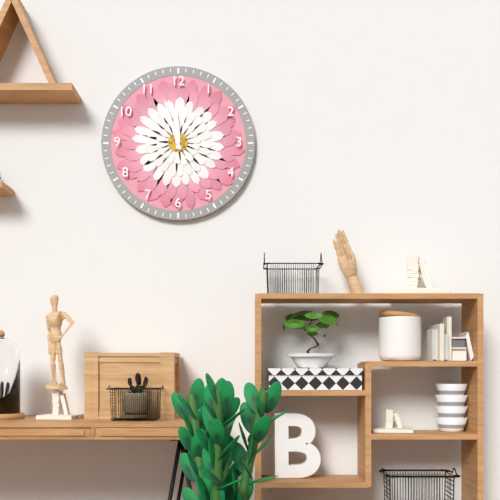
11:57
